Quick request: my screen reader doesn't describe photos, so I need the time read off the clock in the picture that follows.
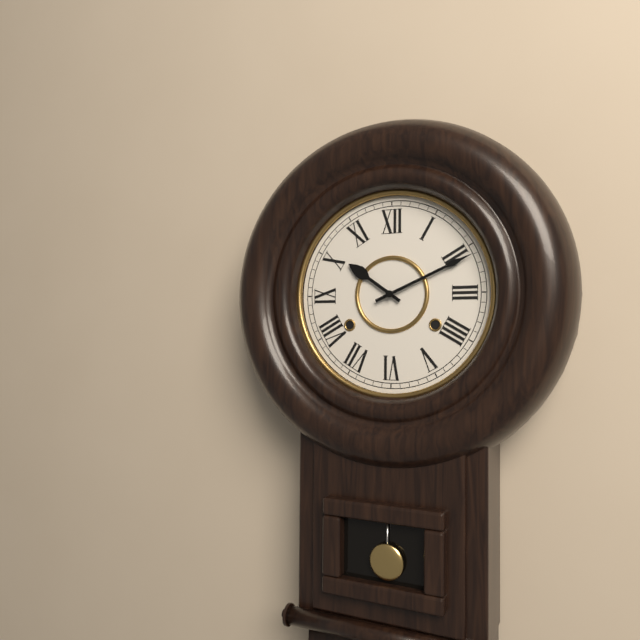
10:11
